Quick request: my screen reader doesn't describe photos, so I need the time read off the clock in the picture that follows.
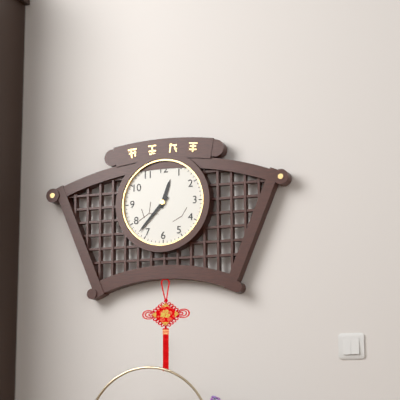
12:37
